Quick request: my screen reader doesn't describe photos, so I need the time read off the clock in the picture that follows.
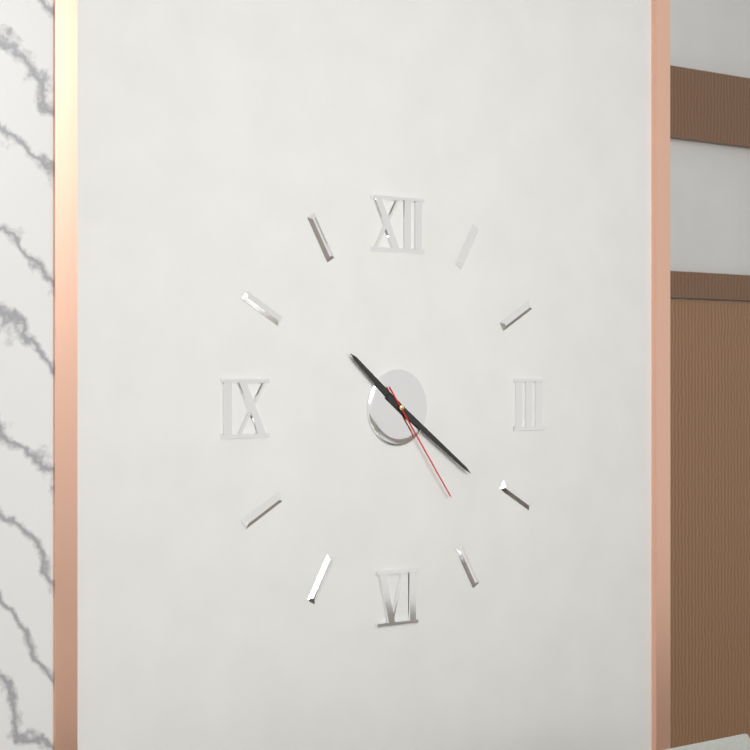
10:21:24
